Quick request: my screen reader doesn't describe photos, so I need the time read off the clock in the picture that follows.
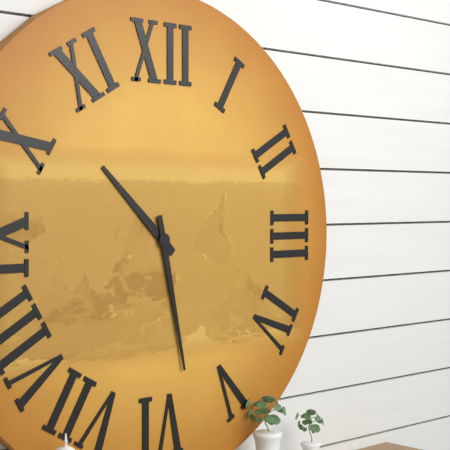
10:28
